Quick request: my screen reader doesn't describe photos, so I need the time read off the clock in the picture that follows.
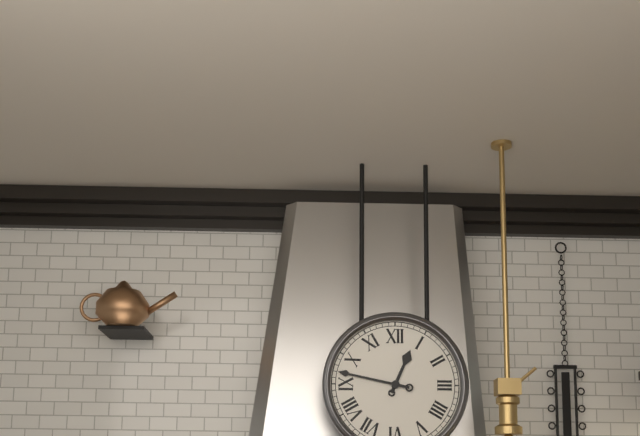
12:47
